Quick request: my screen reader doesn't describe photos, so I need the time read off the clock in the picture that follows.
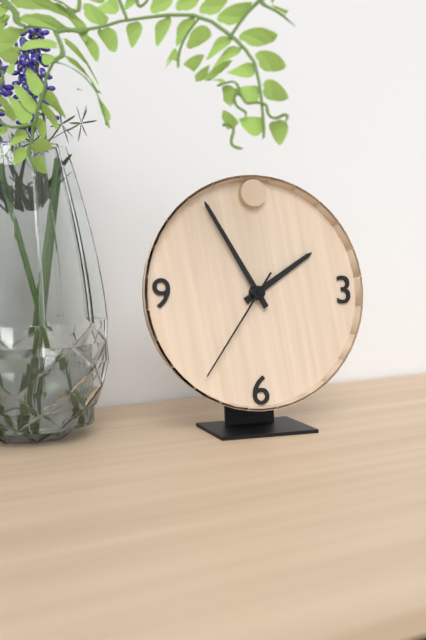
1:55:36
